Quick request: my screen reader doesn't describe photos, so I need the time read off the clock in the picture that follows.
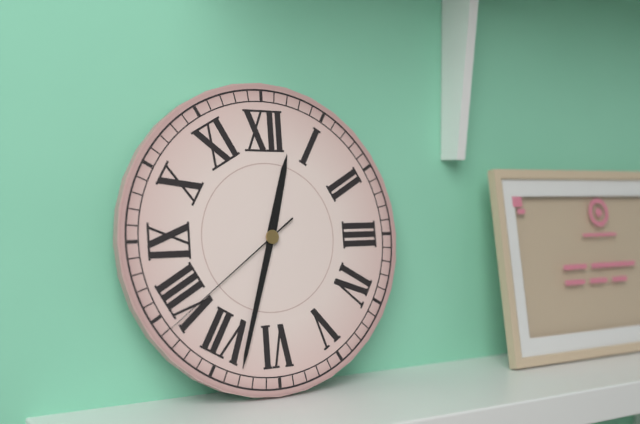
12:33:39
